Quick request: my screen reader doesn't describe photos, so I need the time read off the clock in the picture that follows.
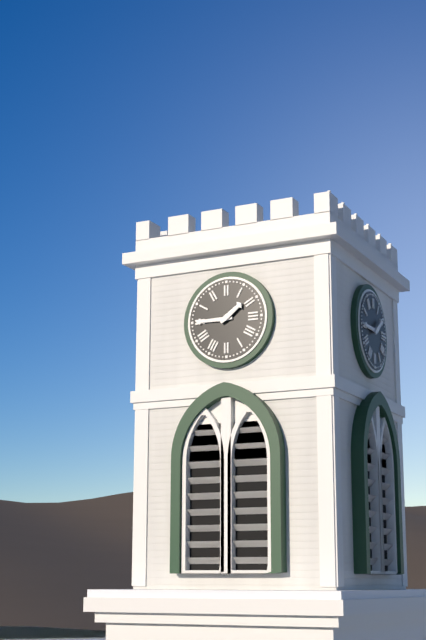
1:45
